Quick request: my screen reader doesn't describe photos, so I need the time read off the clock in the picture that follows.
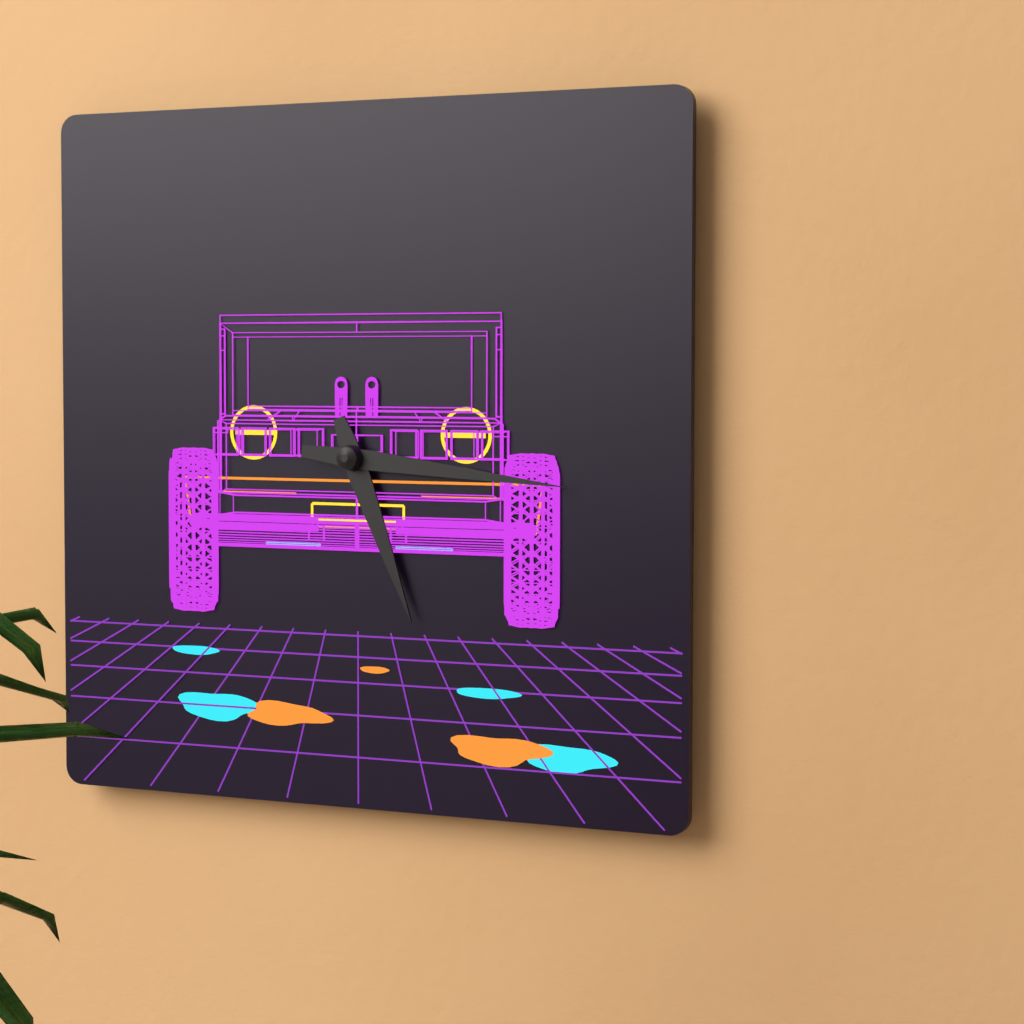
5:16
